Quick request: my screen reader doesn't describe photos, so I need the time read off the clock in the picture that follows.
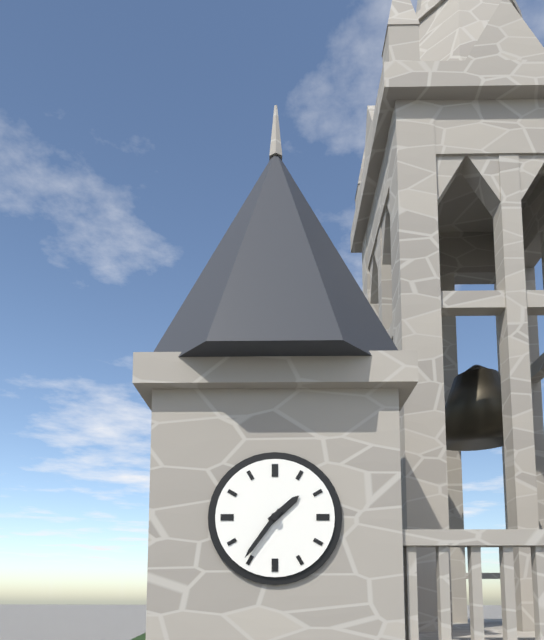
1:36
